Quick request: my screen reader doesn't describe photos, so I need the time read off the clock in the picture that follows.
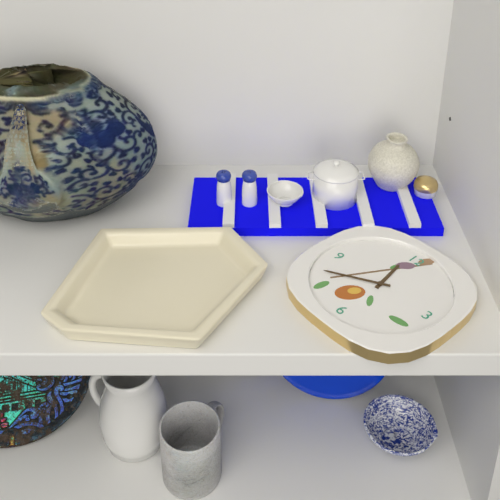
11:40
